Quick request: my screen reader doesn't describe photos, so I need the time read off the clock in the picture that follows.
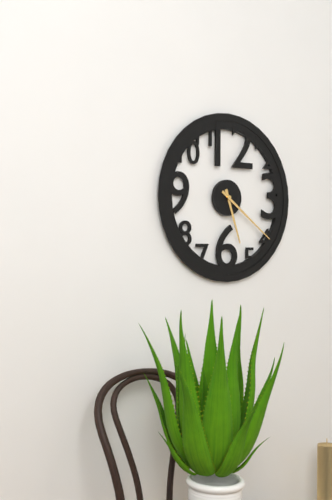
5:21
